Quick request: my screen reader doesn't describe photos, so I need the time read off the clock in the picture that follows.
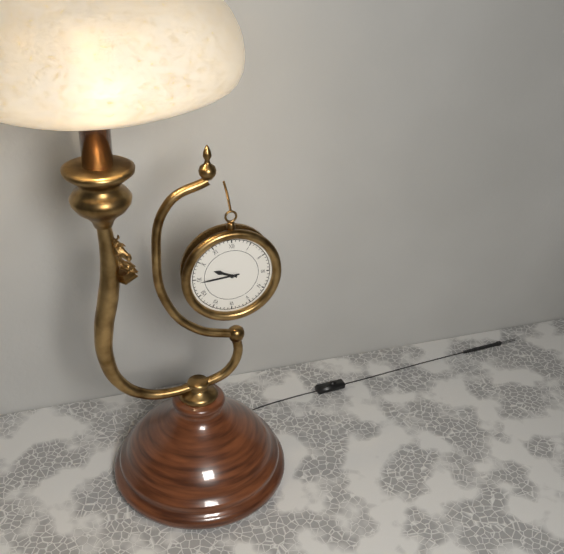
9:44
